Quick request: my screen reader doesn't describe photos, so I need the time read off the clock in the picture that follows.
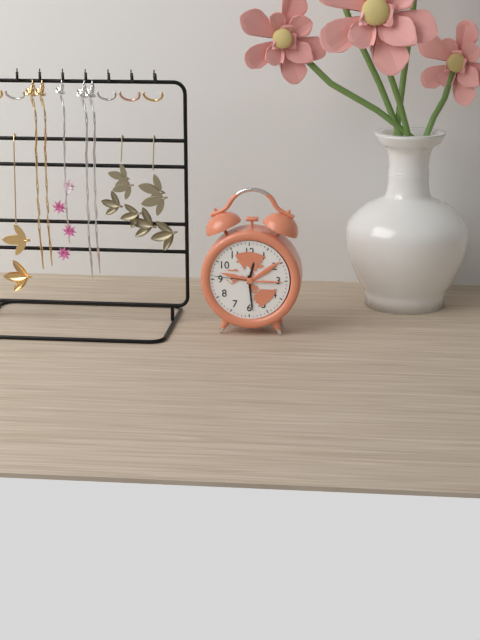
12:29
